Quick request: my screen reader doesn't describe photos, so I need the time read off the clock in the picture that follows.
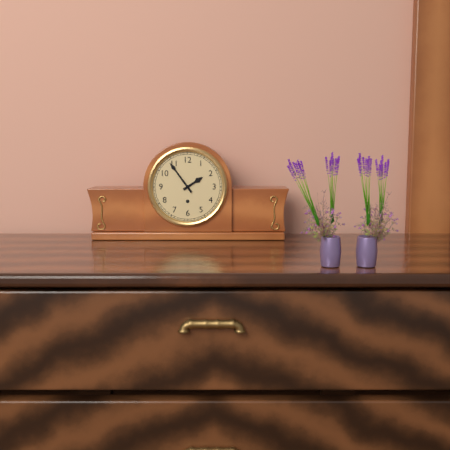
1:54
